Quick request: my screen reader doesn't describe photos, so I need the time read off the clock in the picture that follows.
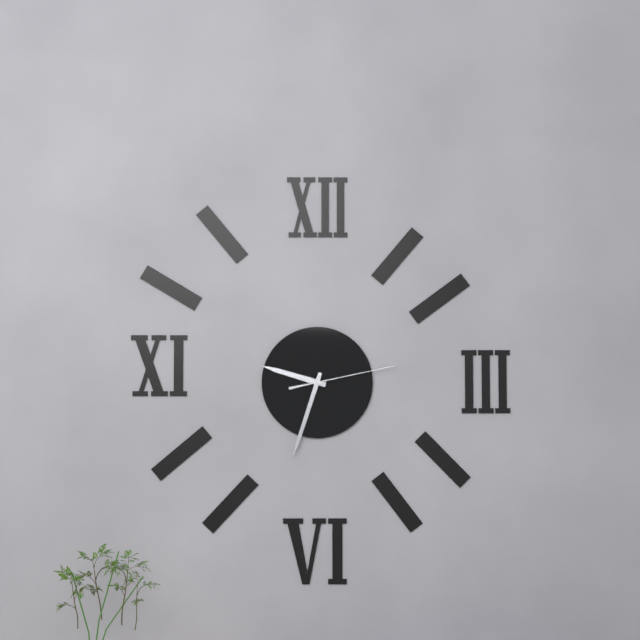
9:33:13
